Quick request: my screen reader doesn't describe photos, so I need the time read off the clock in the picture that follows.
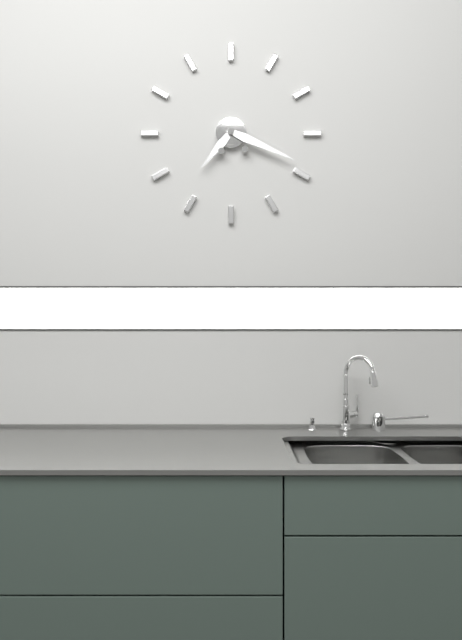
7:19
